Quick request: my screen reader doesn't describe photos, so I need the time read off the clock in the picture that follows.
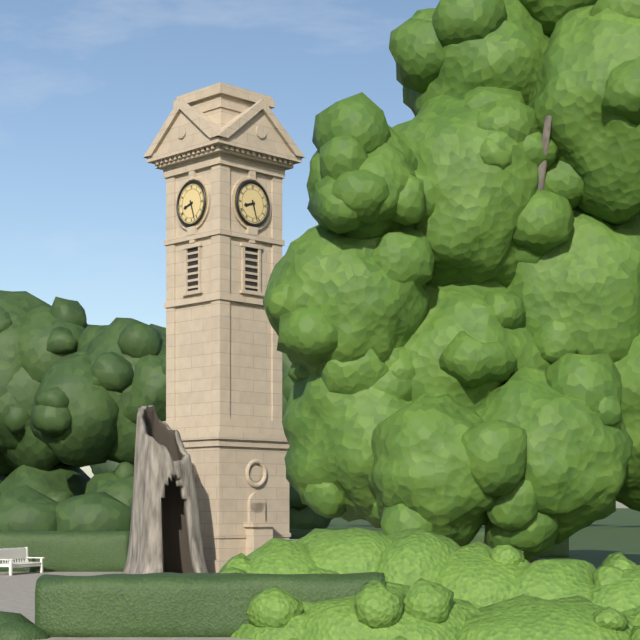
8:27
